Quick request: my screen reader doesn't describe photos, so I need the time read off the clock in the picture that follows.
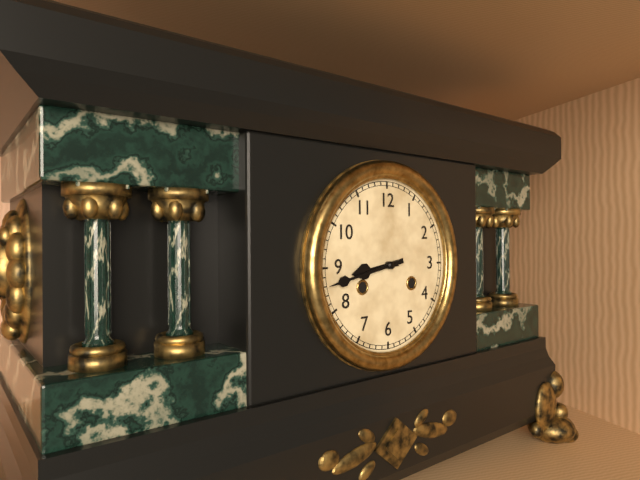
8:43
